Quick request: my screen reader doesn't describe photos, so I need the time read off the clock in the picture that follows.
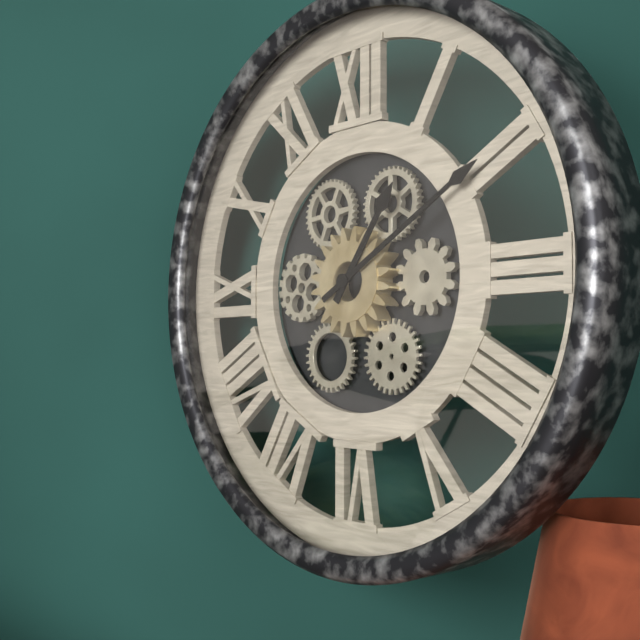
1:10
